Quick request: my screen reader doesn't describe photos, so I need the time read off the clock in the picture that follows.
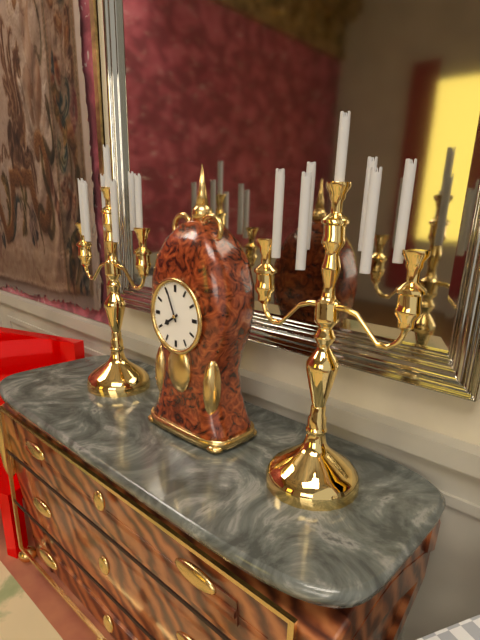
7:56
